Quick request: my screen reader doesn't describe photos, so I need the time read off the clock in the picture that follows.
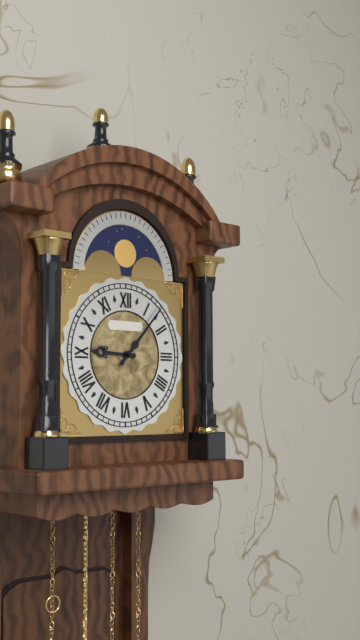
9:07
